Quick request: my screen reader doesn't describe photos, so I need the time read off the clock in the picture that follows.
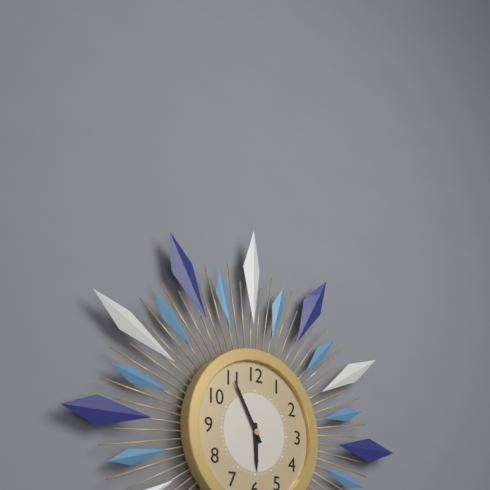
5:55
